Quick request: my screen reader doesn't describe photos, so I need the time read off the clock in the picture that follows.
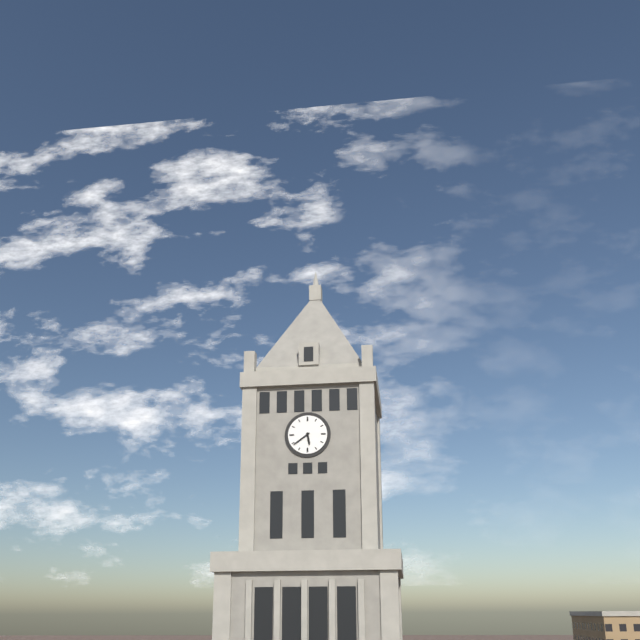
5:39
